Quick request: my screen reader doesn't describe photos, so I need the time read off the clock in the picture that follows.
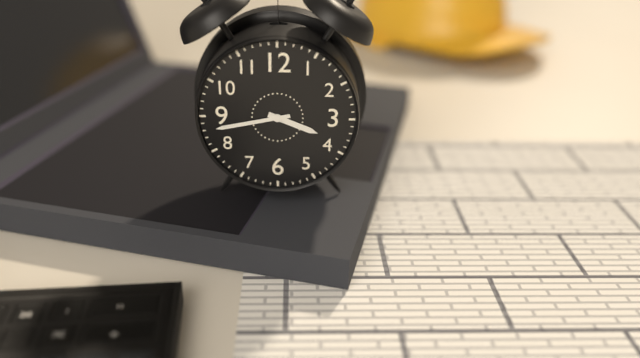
3:43
